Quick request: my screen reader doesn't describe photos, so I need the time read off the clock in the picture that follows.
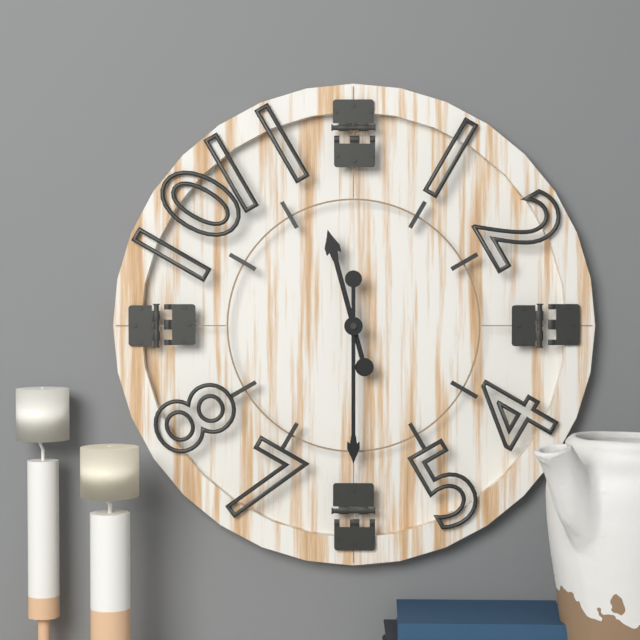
11:30
